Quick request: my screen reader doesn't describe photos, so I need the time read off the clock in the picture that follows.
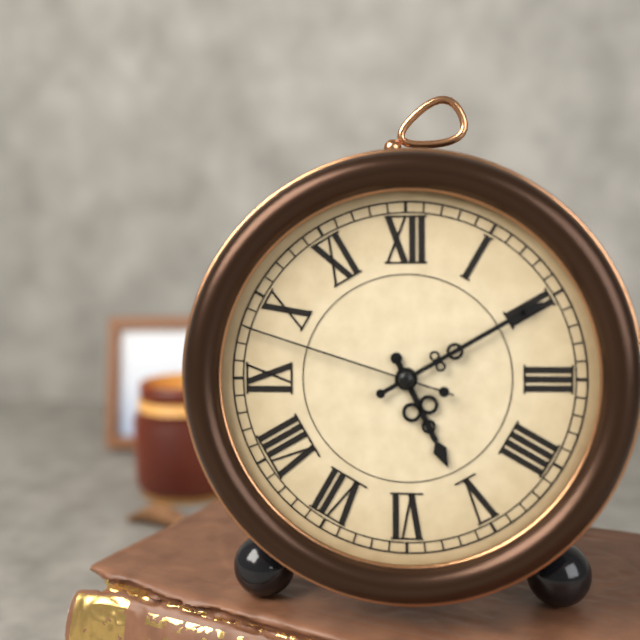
5:10:48
